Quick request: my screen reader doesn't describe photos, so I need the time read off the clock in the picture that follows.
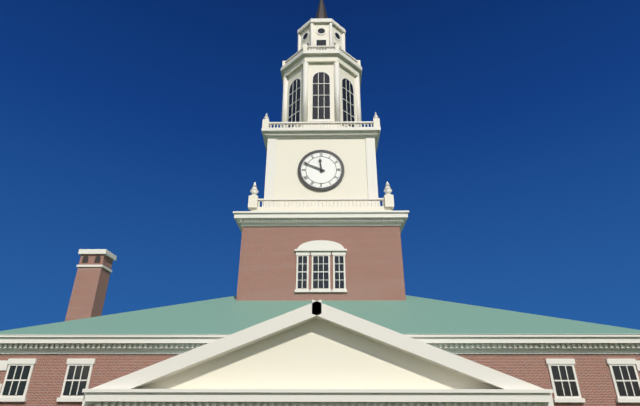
11:49
